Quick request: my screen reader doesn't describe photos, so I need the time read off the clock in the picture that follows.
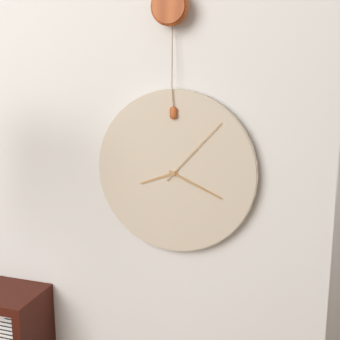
8:19:07
